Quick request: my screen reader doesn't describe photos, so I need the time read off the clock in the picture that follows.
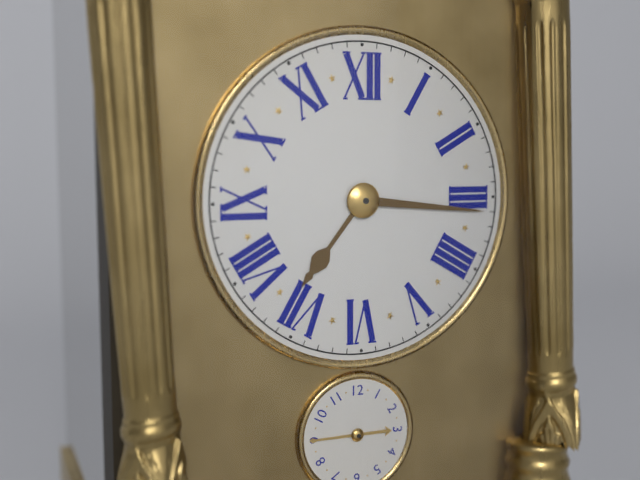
7:16
